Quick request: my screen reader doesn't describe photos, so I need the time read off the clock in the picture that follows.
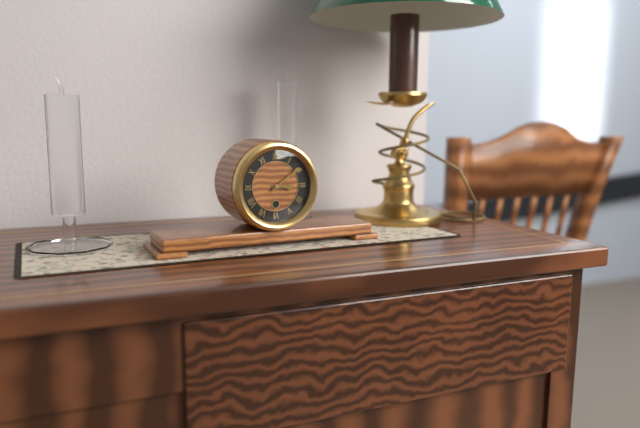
3:09
